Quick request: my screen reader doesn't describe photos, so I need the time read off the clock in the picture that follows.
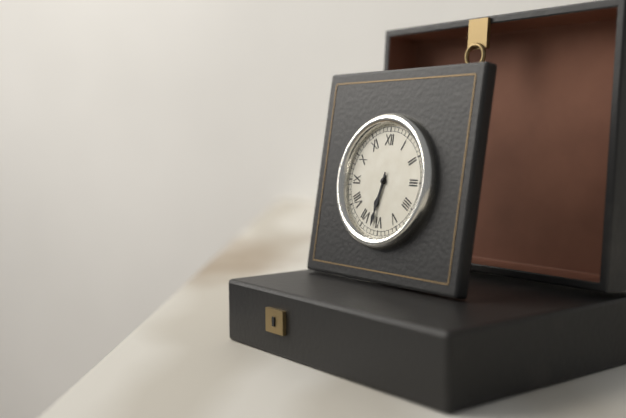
6:32
